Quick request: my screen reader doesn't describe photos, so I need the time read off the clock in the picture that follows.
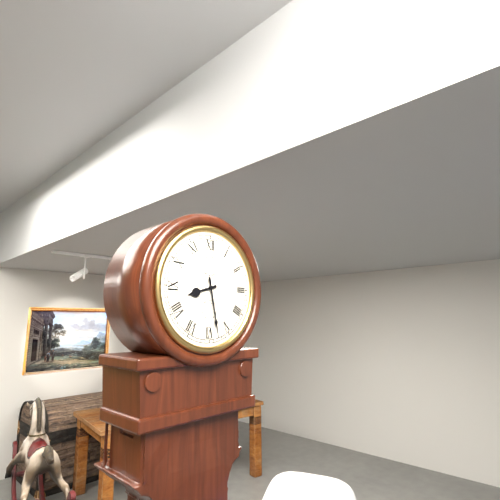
8:28
